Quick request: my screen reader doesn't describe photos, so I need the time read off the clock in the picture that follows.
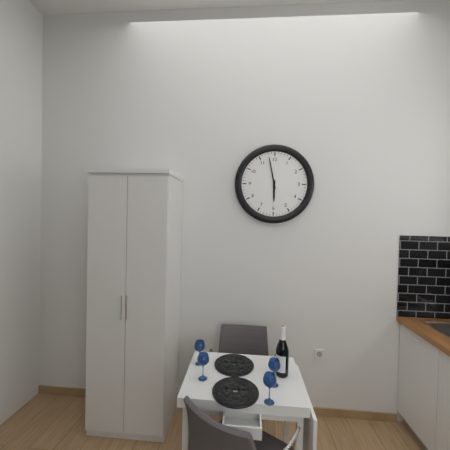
5:58
